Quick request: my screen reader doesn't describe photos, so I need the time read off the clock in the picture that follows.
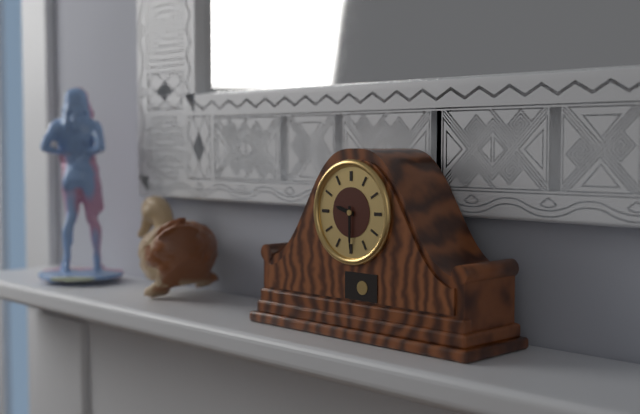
9:30
